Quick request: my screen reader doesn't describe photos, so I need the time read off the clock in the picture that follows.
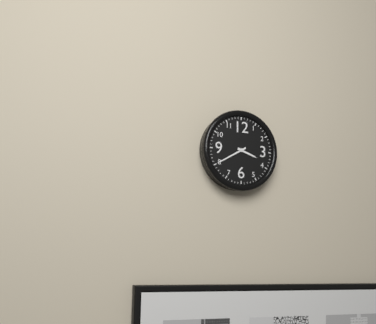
3:40
